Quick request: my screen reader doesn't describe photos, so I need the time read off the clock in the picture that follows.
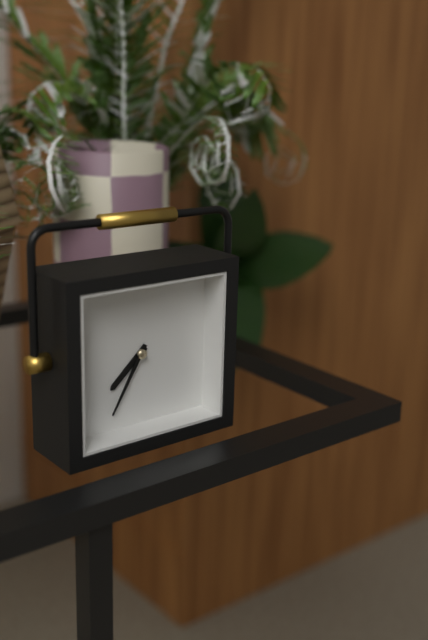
7:35
